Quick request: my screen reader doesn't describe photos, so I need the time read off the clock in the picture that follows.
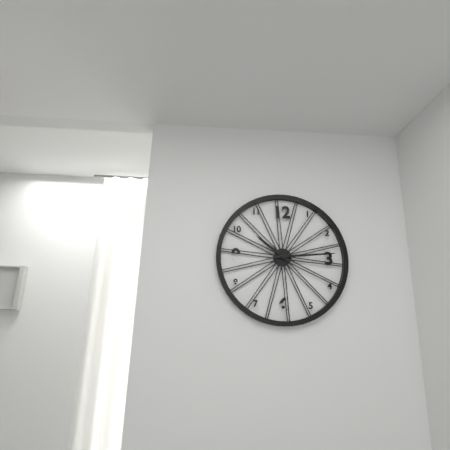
10:14
